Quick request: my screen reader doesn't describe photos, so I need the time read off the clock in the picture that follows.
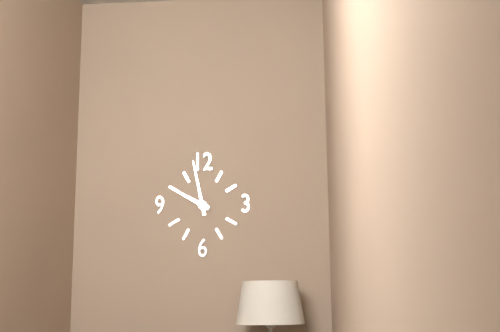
9:58
